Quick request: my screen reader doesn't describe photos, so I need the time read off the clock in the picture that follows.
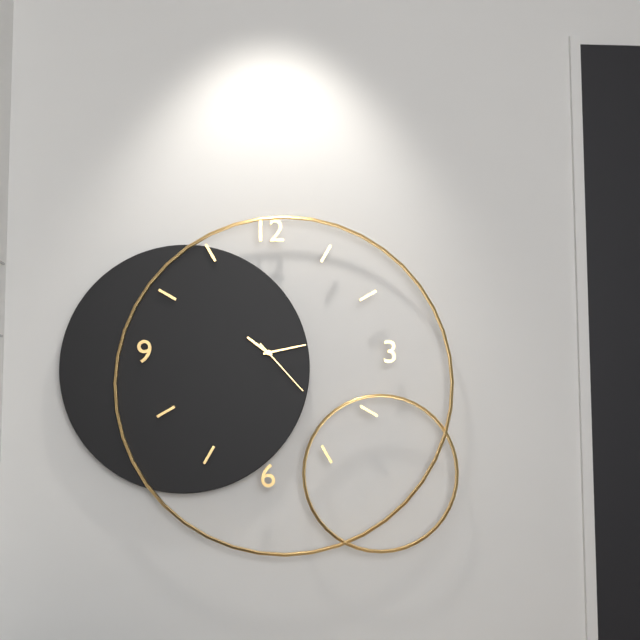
10:13:23
